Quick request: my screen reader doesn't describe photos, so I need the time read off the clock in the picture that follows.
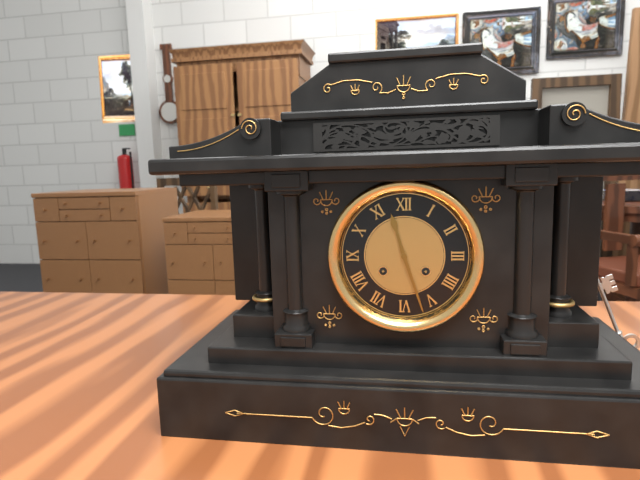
11:27
